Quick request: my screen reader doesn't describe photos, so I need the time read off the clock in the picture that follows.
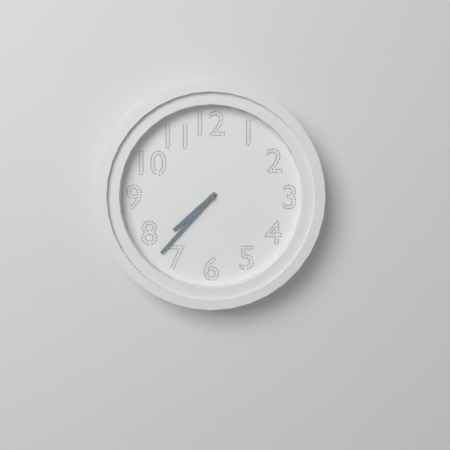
7:37
